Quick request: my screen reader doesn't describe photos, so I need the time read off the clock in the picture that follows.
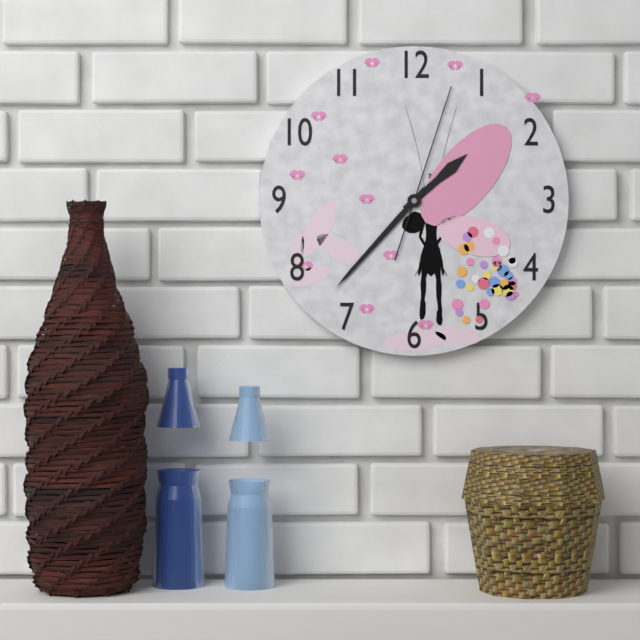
1:37:03
